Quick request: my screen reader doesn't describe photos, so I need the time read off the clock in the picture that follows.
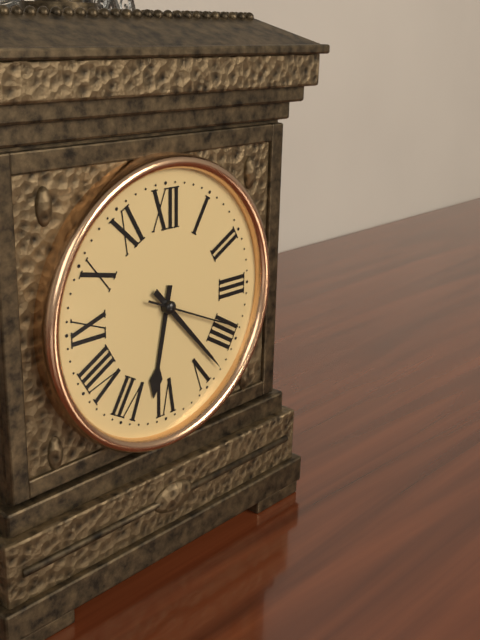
6:23:19
